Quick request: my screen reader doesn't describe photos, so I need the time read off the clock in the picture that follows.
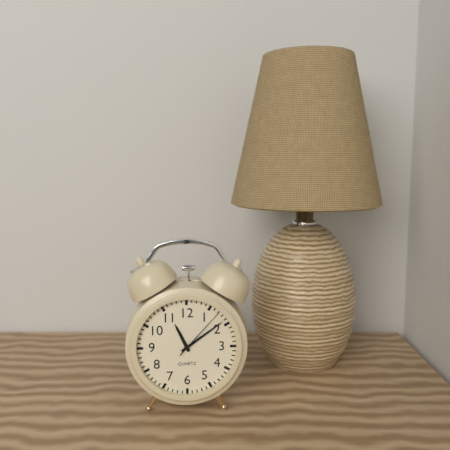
11:09:07
